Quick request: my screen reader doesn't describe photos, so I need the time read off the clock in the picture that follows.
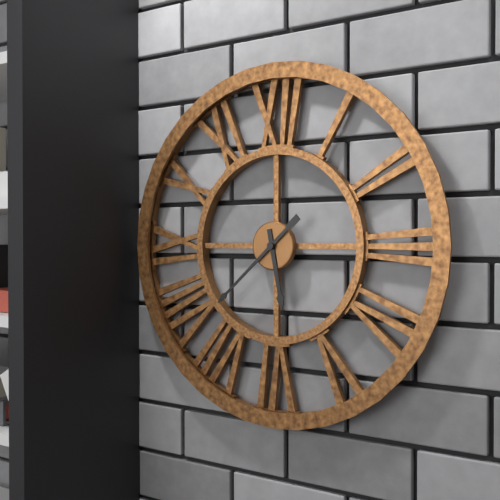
5:38
